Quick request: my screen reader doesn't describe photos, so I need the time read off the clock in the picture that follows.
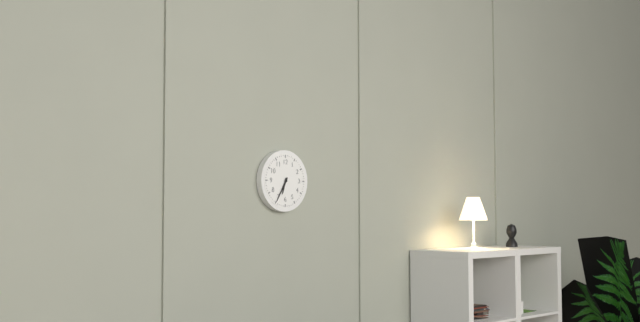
6:35
